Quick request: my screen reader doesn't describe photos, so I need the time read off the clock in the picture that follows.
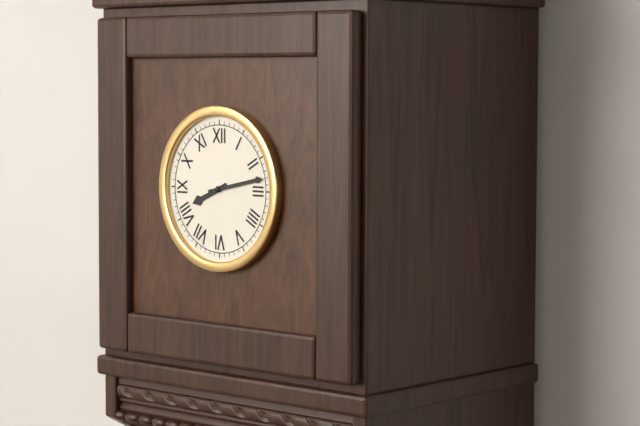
8:13
